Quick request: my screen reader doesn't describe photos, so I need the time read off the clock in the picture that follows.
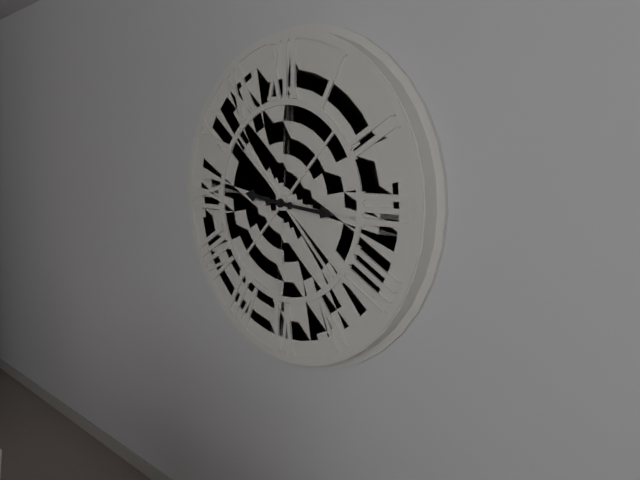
9:16
